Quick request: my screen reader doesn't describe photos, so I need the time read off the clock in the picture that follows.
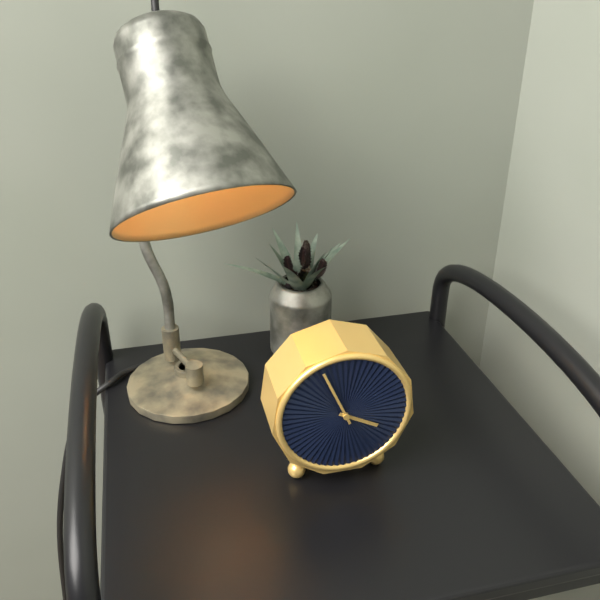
3:56
